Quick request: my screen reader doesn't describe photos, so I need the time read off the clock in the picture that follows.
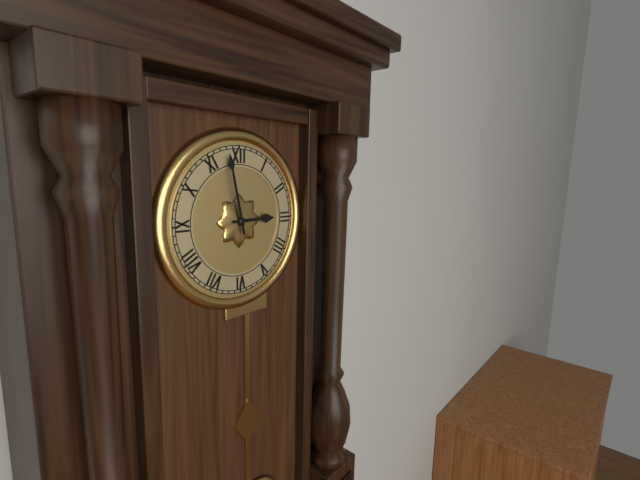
2:58
